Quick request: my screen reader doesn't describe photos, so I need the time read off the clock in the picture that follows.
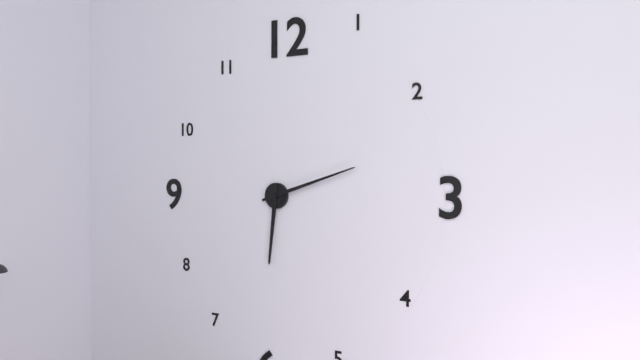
6:12
